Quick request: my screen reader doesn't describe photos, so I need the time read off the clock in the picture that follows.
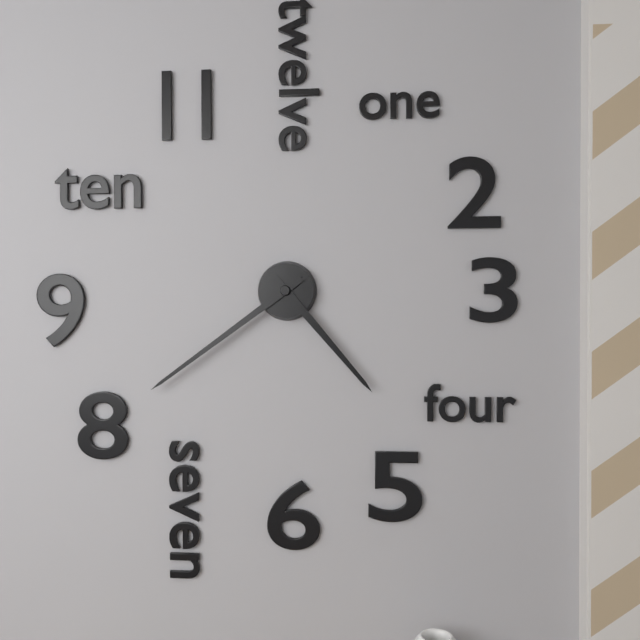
4:39
